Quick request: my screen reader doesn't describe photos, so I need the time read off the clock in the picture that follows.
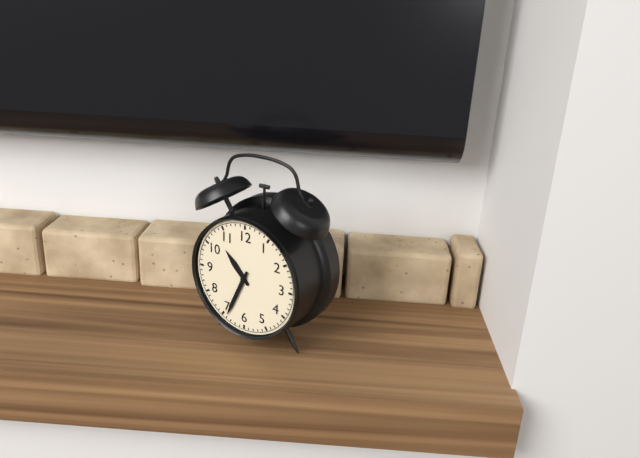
10:34
